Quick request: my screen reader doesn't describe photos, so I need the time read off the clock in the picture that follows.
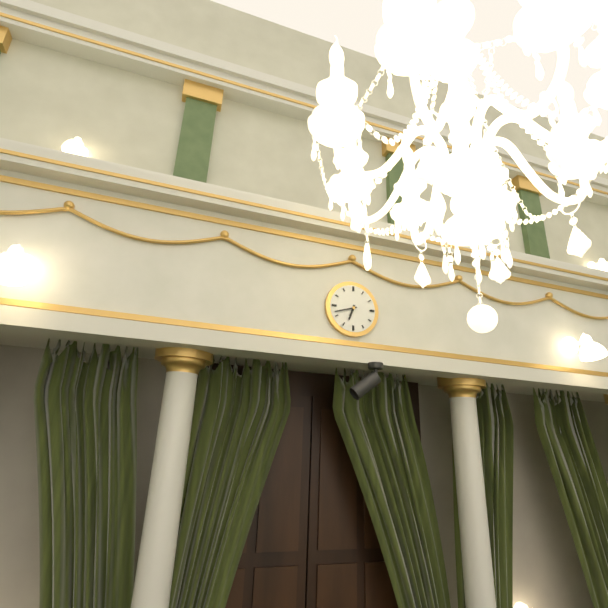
6:42
